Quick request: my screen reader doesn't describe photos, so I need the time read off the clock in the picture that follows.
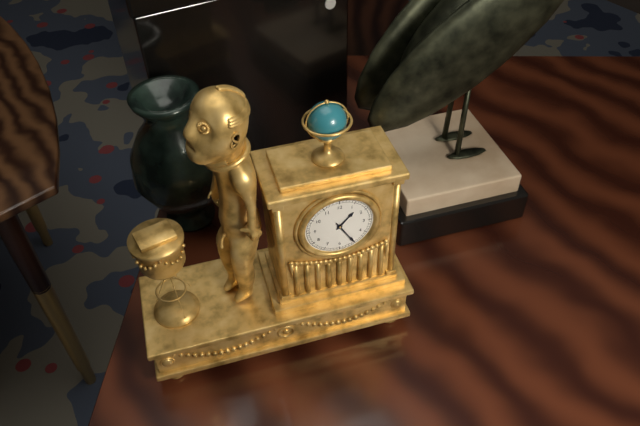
1:25
